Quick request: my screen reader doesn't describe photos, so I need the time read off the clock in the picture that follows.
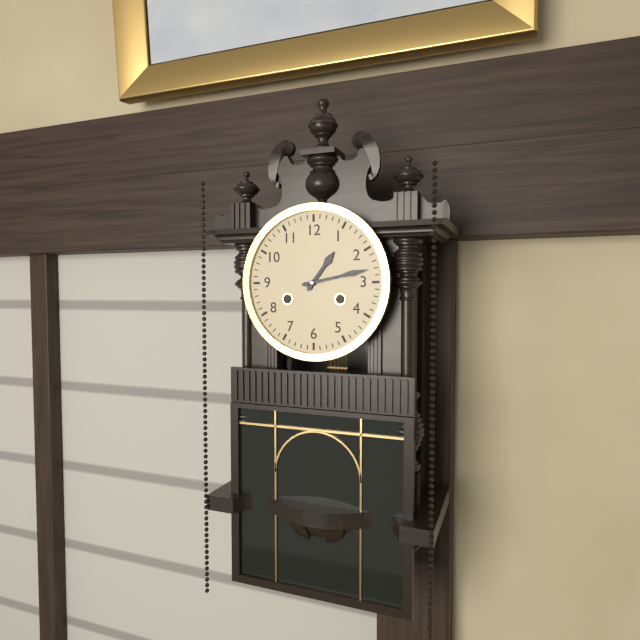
1:13
